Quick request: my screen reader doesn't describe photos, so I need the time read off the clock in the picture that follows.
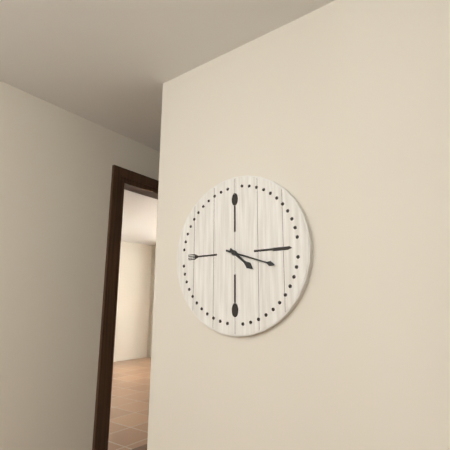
4:18
